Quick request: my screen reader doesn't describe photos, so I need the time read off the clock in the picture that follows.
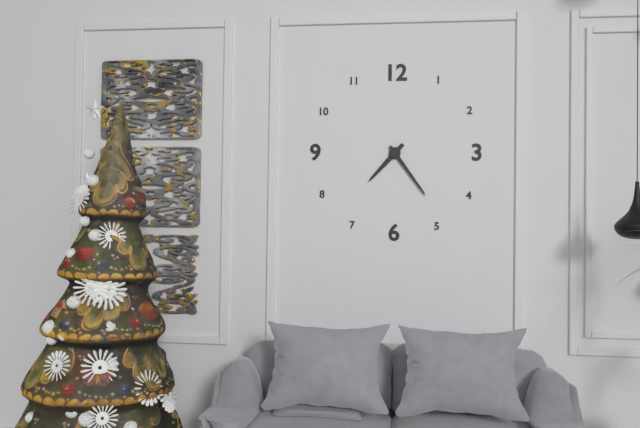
7:24
